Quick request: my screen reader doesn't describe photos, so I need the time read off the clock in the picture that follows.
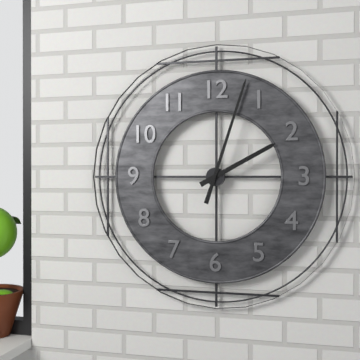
2:03
